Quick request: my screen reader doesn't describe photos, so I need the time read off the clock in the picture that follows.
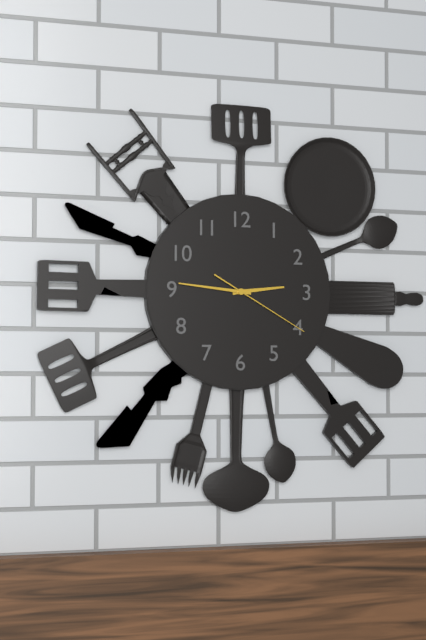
2:46:20
